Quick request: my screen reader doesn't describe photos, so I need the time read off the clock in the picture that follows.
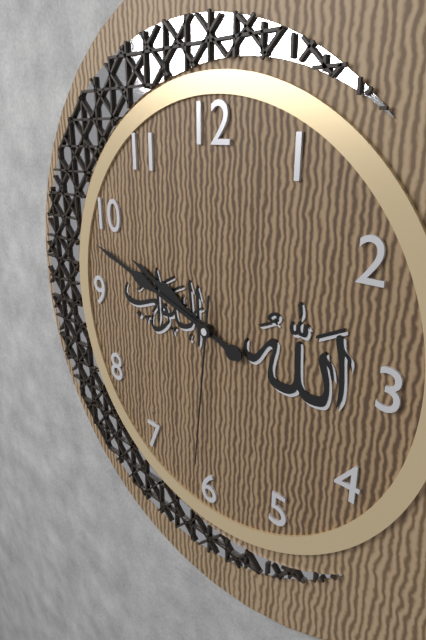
9:48:31
